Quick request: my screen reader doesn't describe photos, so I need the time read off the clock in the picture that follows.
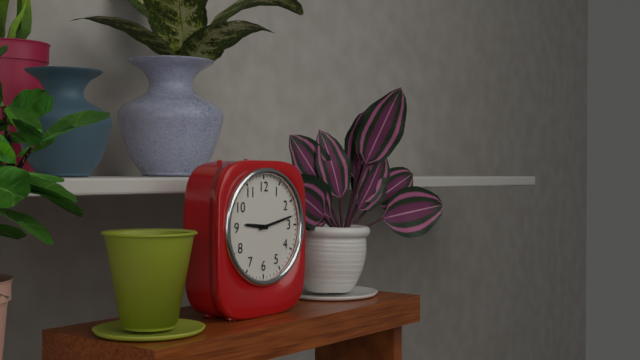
9:13
